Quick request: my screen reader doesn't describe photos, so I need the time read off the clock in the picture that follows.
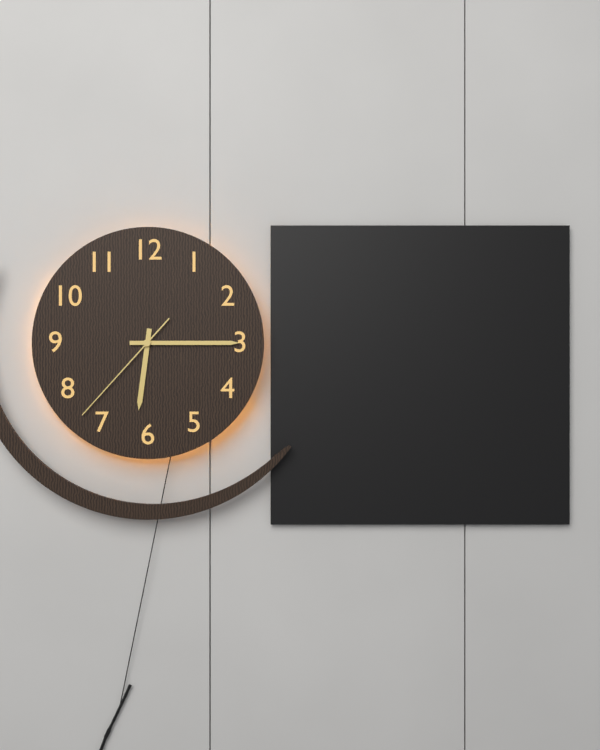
6:15:37
